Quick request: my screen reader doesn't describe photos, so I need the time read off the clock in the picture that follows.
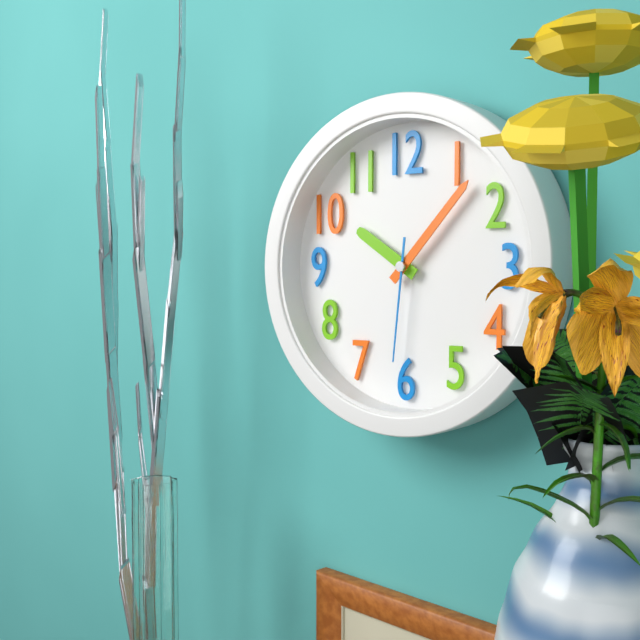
10:07:31
